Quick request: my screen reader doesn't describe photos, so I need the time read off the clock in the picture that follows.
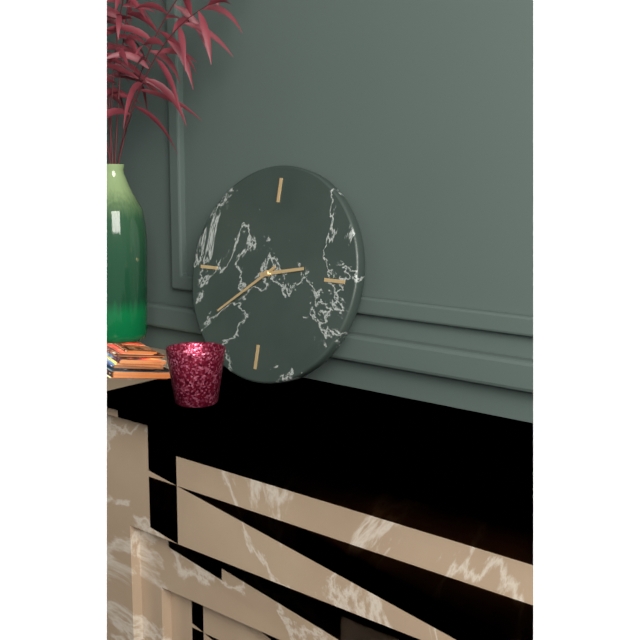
2:39
